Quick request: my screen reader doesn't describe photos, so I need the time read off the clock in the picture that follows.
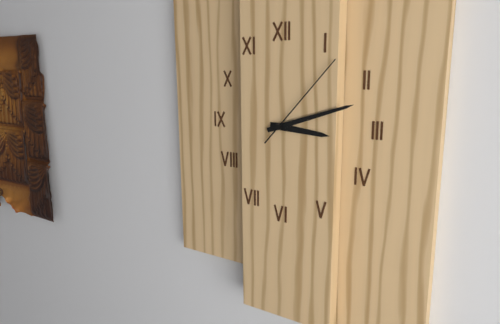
3:12:07
